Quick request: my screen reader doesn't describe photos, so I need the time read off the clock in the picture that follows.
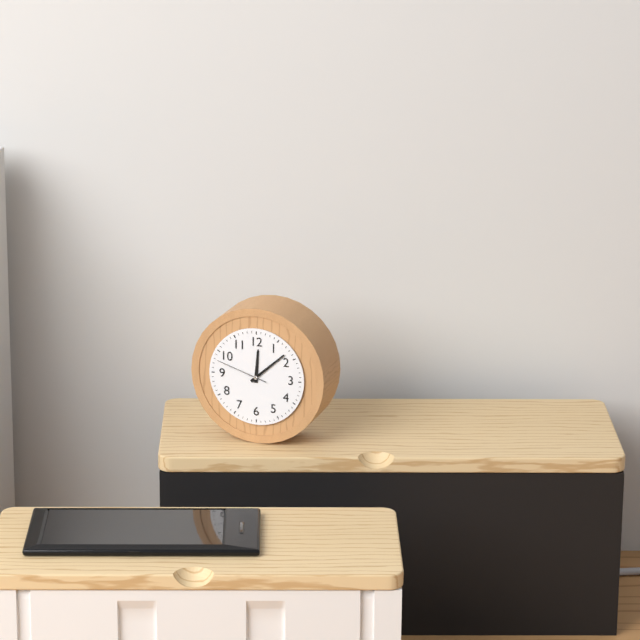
12:08:48
